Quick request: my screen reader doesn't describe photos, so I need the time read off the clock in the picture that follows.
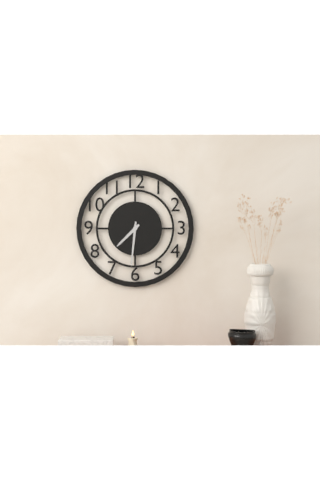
7:31
